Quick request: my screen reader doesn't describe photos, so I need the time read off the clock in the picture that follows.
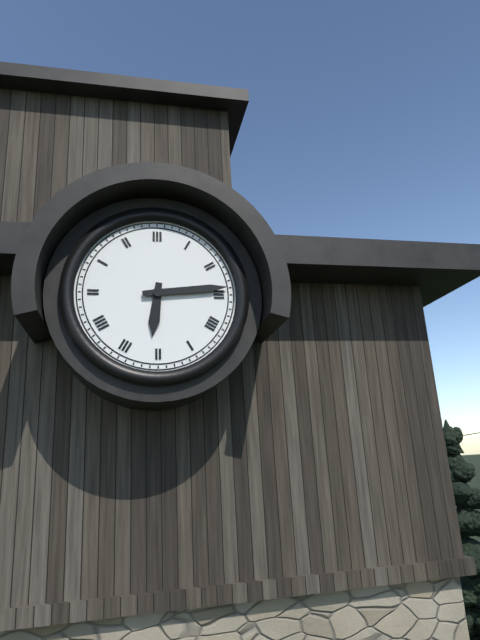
6:14
